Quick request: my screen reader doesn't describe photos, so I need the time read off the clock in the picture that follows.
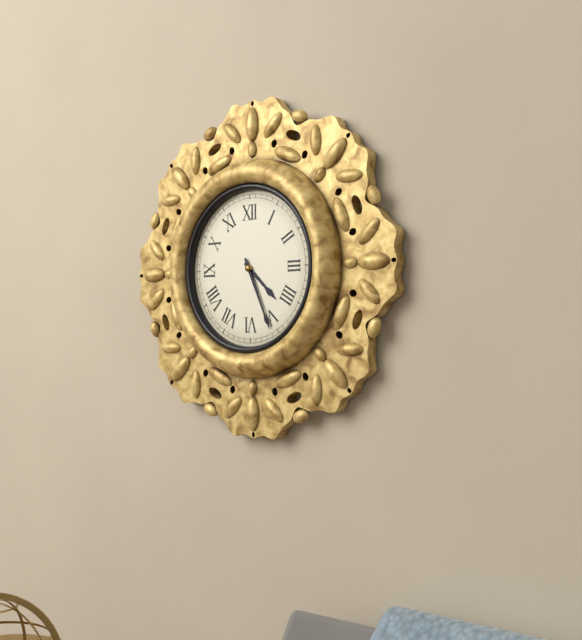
4:26
